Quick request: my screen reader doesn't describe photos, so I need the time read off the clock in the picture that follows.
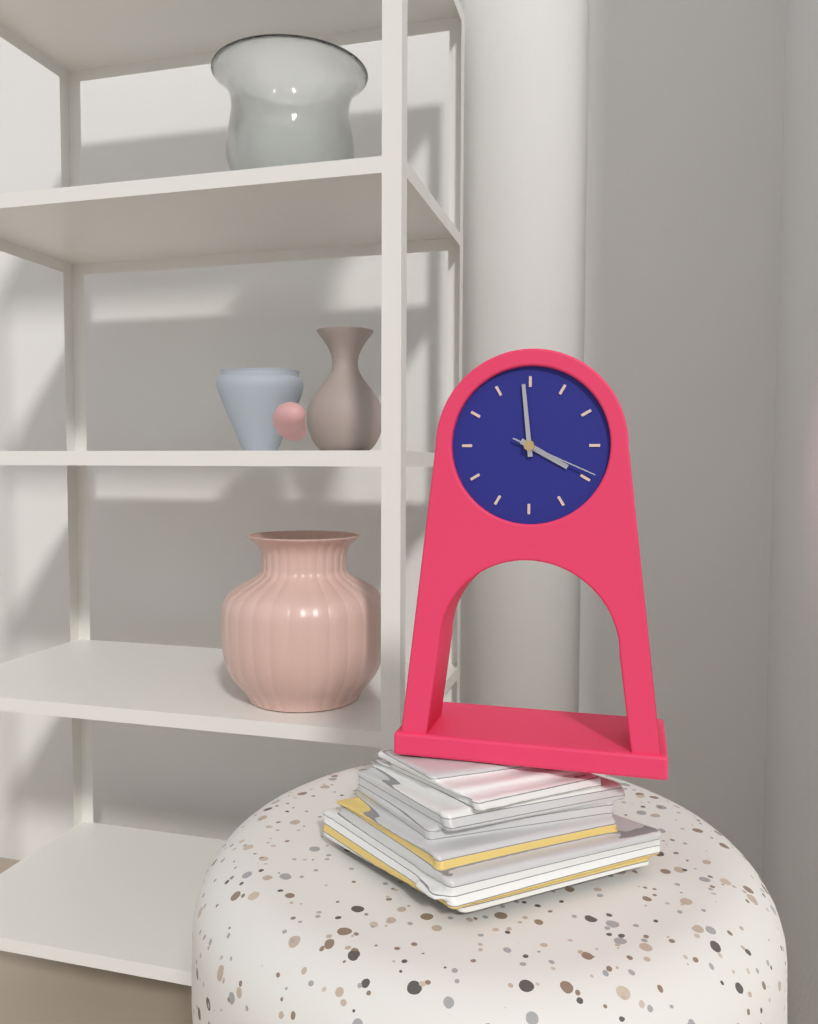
3:59:19
